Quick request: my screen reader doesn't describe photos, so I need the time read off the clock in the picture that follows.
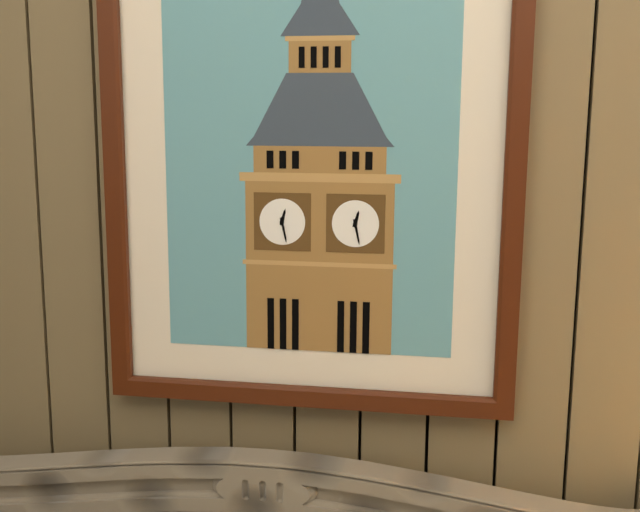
12:28
